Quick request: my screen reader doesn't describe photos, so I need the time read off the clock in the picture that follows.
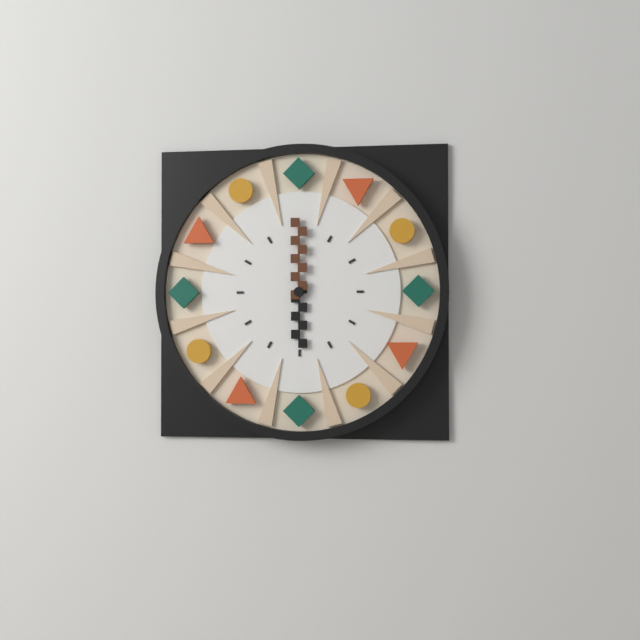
6:00
